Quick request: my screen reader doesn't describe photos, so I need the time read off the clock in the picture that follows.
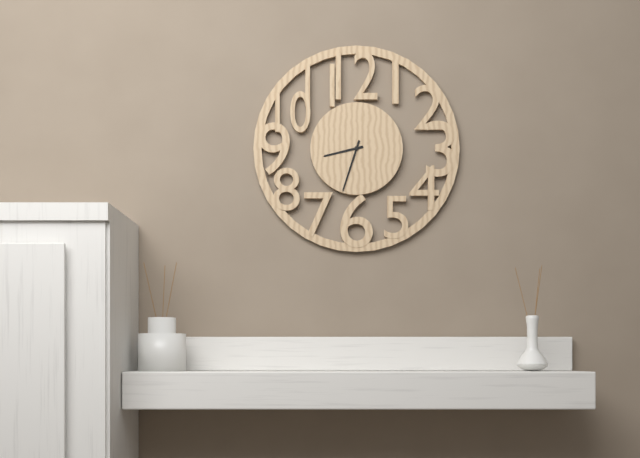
8:33
